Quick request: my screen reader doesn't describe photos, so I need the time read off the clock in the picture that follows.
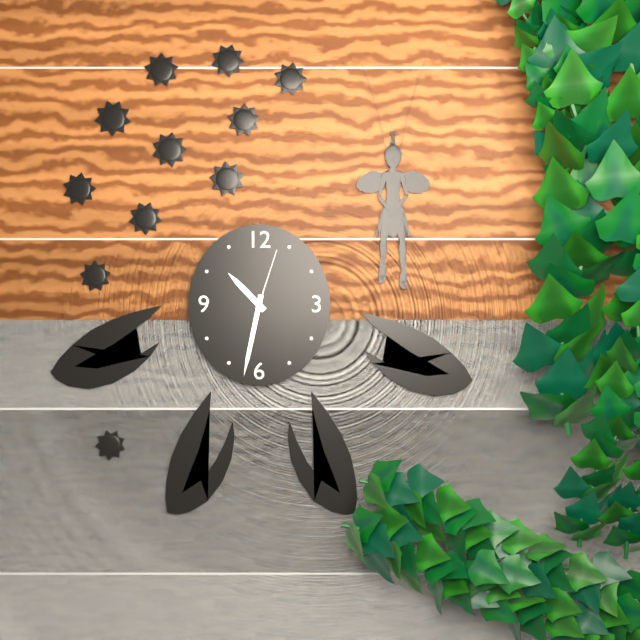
10:32:03
